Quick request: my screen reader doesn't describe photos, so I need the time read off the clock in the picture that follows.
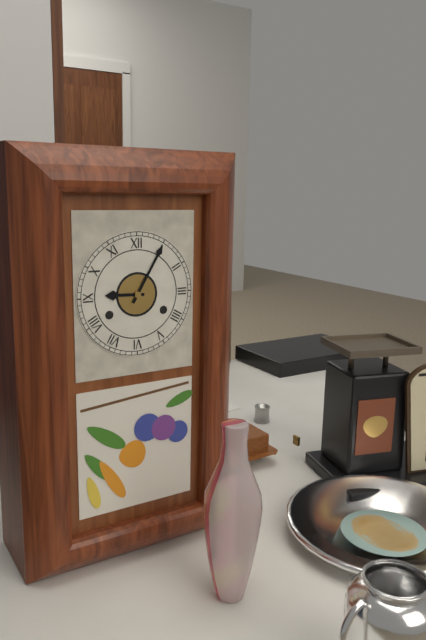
9:05
